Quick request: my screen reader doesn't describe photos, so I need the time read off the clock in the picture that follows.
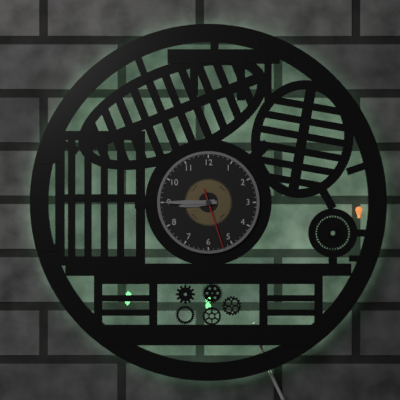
8:45:27
